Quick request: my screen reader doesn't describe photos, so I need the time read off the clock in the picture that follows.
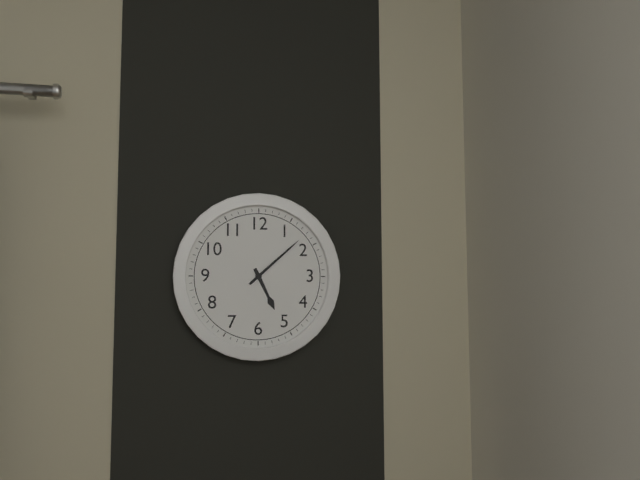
5:08
